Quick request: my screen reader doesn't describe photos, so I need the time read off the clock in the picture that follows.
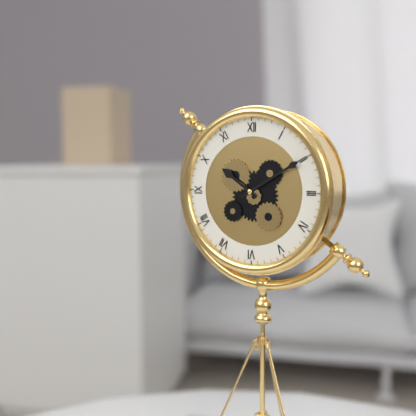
10:10
